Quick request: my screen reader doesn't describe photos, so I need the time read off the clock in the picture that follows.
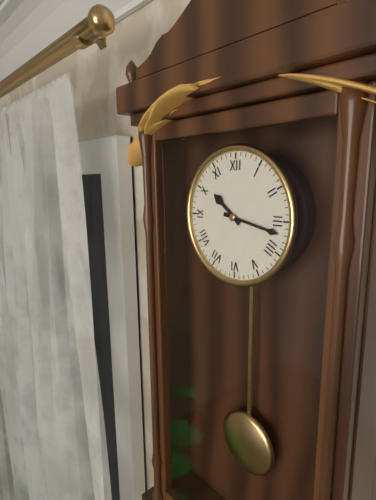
10:17
